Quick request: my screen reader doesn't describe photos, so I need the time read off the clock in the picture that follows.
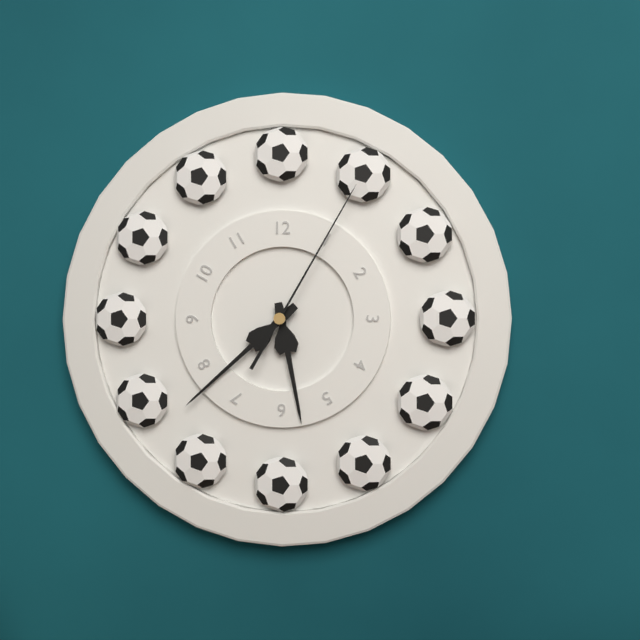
5:38:05
